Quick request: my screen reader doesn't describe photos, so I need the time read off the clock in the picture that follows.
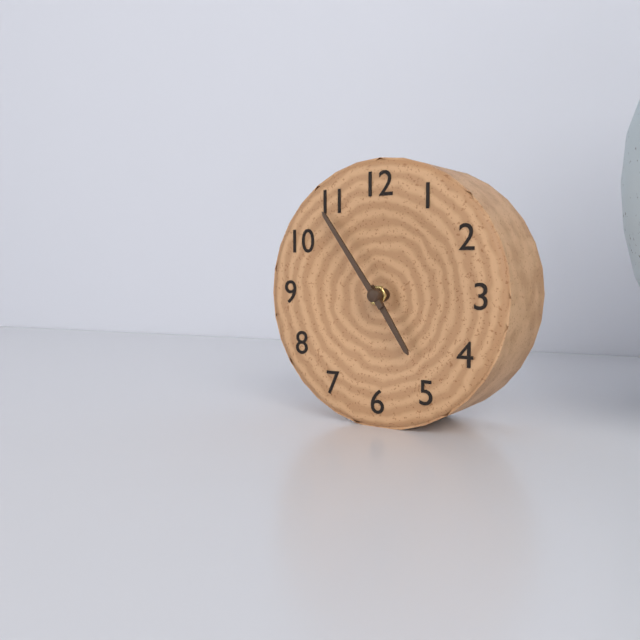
4:54
